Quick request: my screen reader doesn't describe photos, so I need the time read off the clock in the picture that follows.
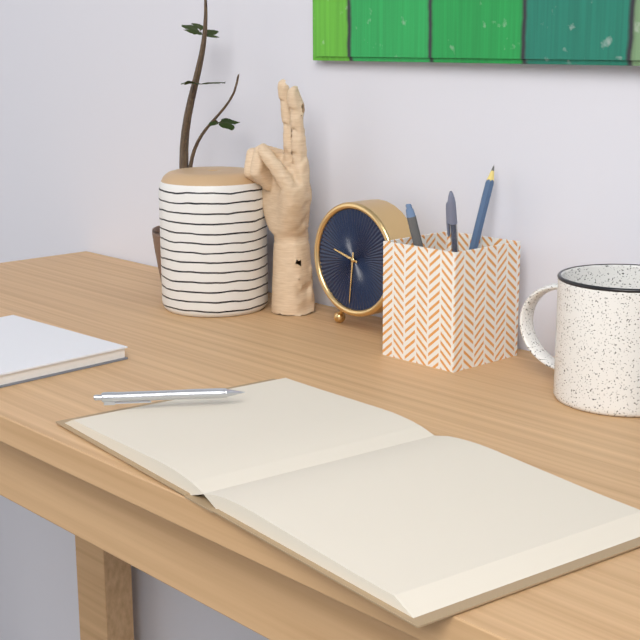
9:31
